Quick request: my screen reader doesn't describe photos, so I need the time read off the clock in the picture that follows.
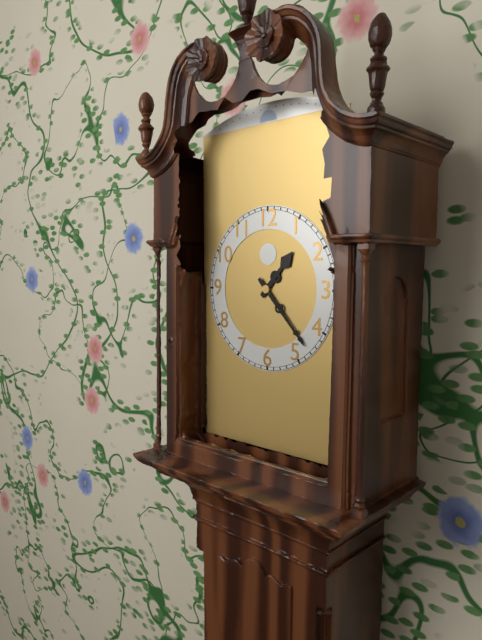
1:23
